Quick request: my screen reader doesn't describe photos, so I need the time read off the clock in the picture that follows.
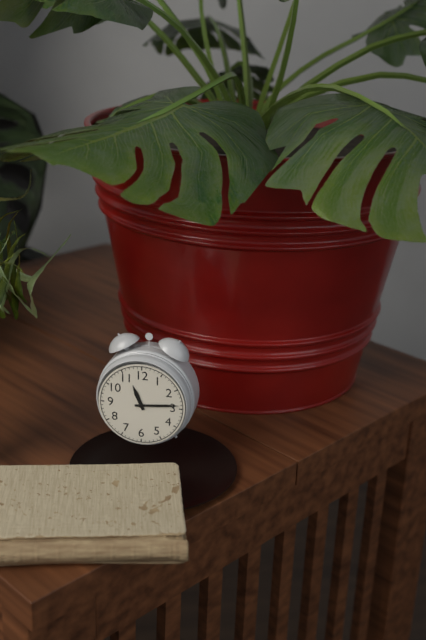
11:14
